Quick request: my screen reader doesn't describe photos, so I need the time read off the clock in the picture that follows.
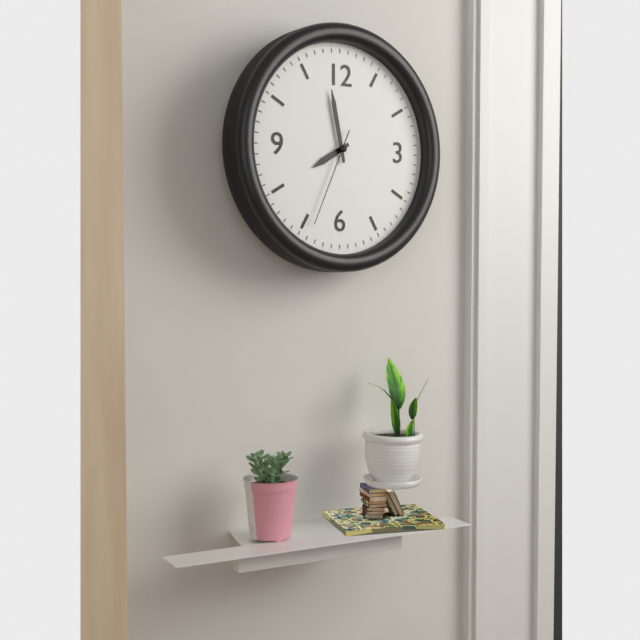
7:58:34
